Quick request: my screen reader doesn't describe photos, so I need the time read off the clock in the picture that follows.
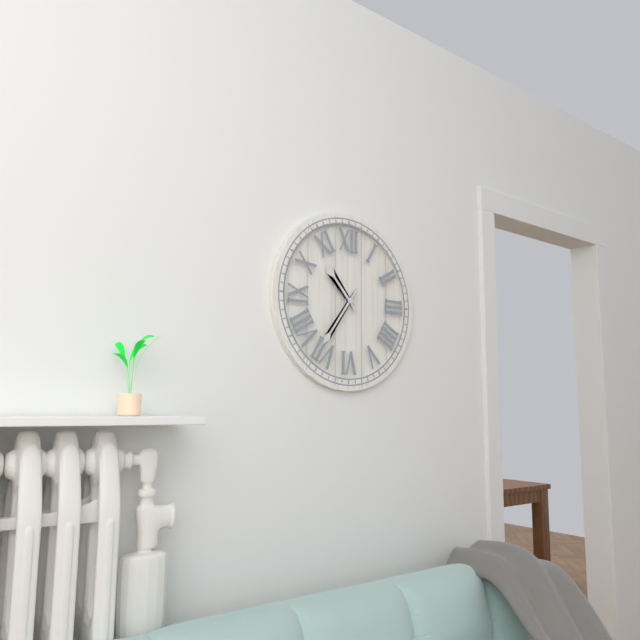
10:36
